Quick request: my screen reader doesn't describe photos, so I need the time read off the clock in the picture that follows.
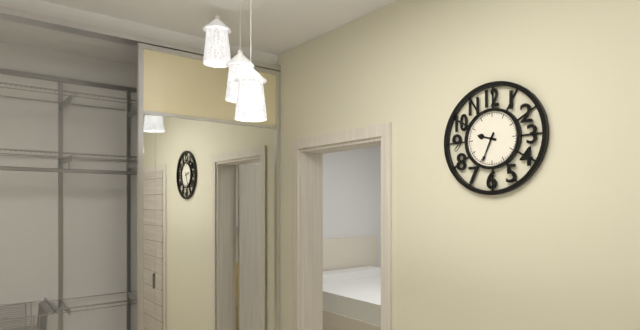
9:34
